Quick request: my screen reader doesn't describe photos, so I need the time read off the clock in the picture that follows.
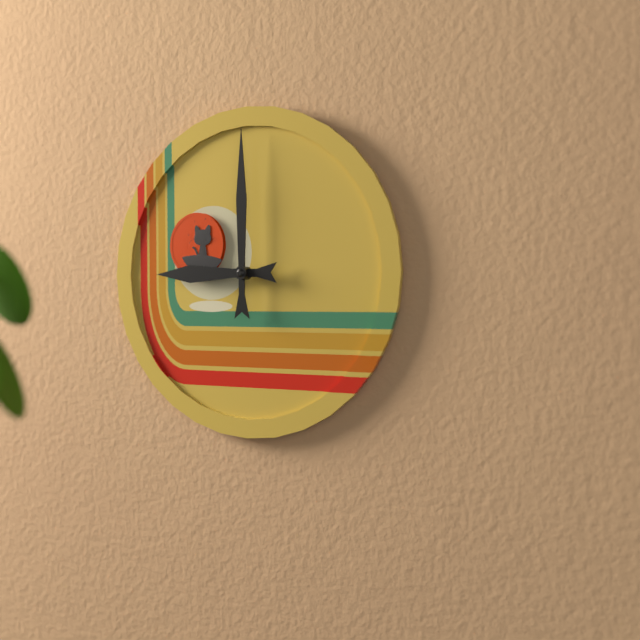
9:00
